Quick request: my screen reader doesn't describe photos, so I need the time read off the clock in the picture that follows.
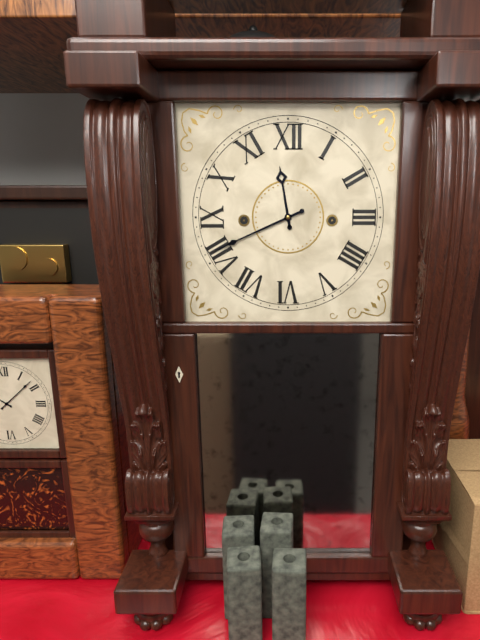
11:41
